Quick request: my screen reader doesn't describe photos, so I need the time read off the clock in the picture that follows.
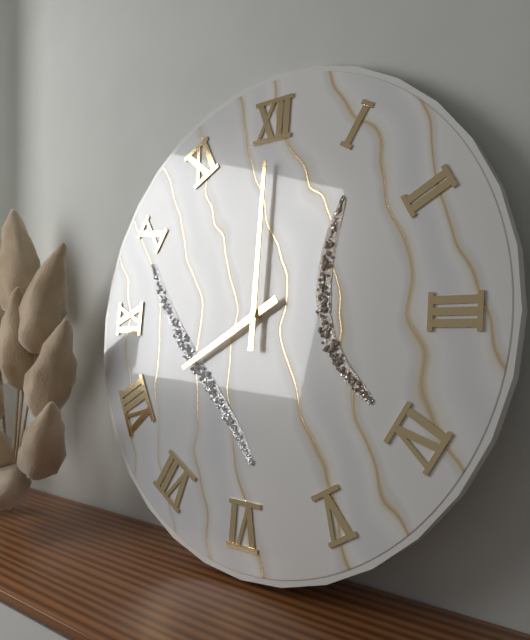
8:00
